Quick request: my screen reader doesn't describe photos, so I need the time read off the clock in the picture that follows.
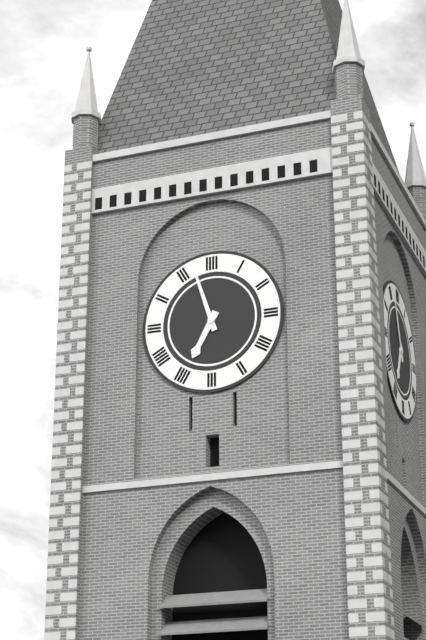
6:57
